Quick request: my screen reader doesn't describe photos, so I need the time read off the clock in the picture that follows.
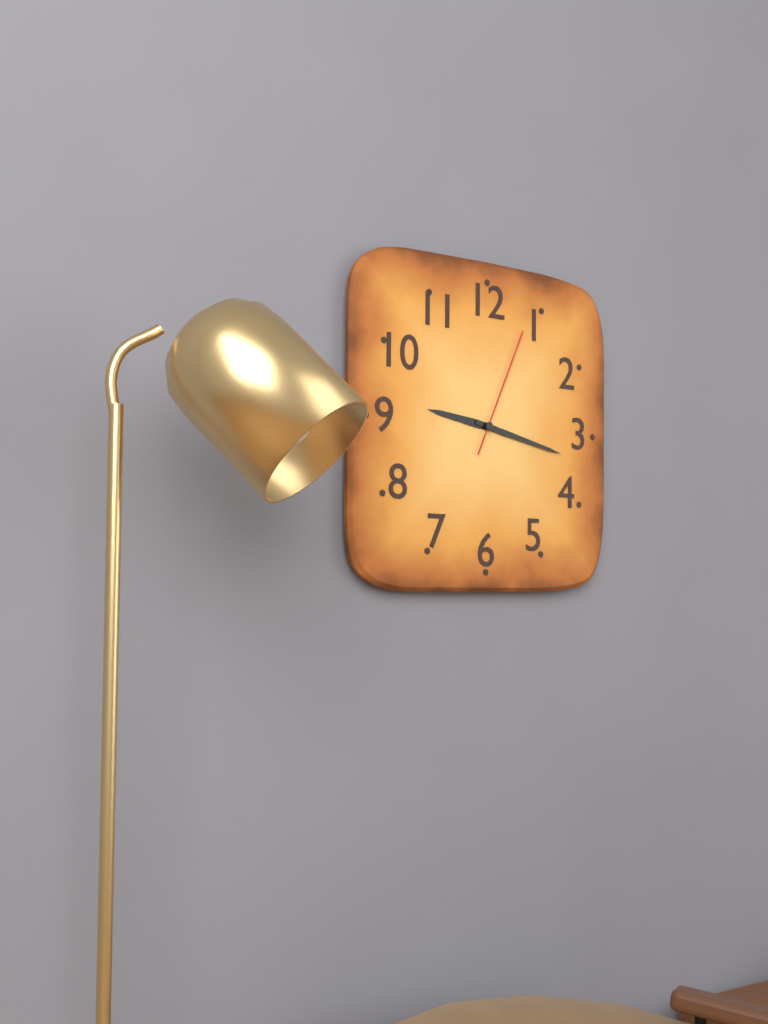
9:17:04
